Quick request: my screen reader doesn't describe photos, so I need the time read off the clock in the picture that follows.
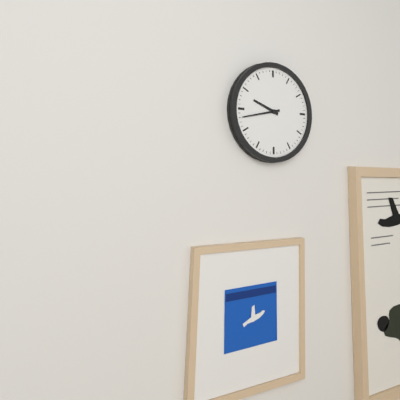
9:43
